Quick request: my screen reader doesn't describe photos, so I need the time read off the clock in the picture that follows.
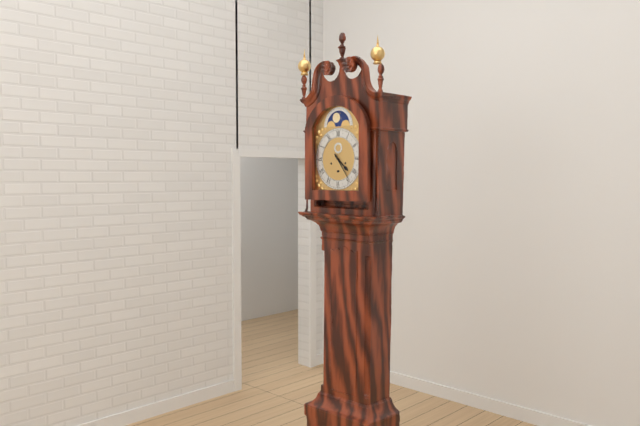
4:24
